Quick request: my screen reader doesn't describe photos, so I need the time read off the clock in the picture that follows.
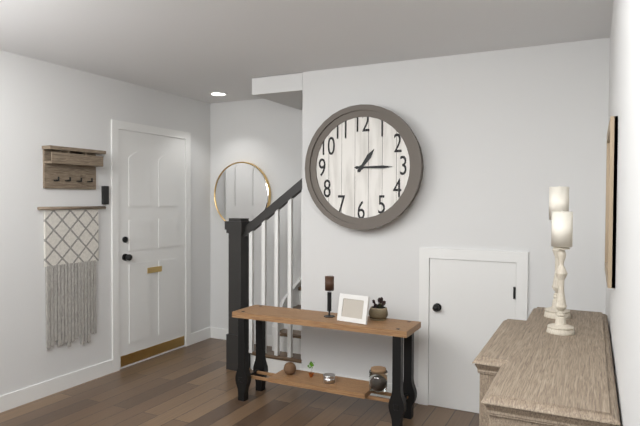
1:15
